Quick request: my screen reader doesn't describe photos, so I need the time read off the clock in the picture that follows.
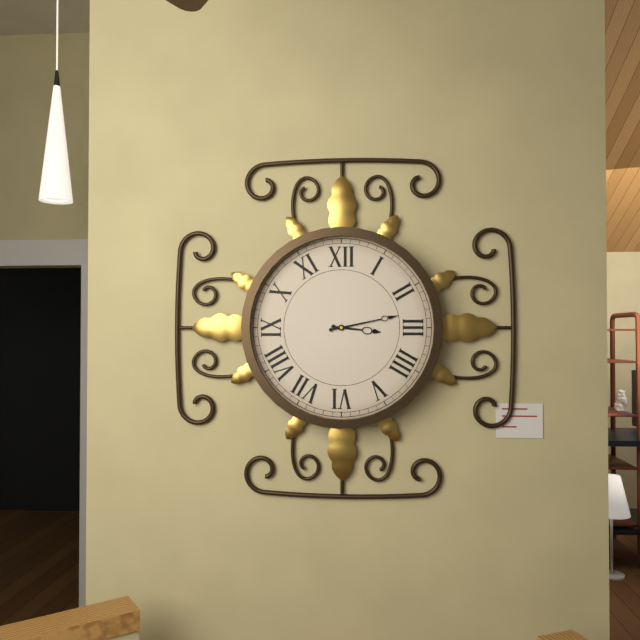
3:13
